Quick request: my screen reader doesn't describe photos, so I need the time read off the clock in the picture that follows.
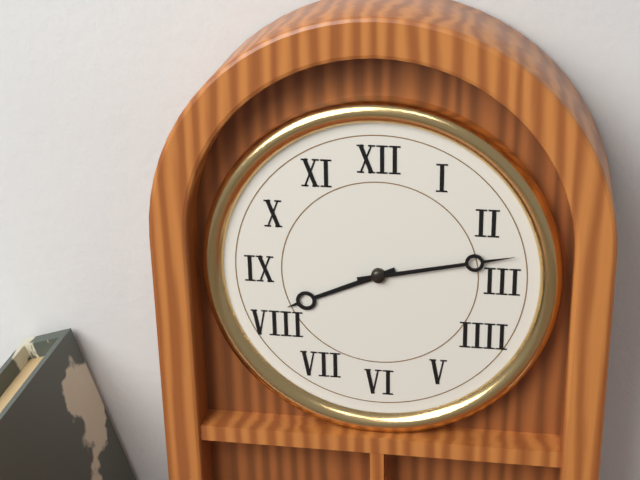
8:13
